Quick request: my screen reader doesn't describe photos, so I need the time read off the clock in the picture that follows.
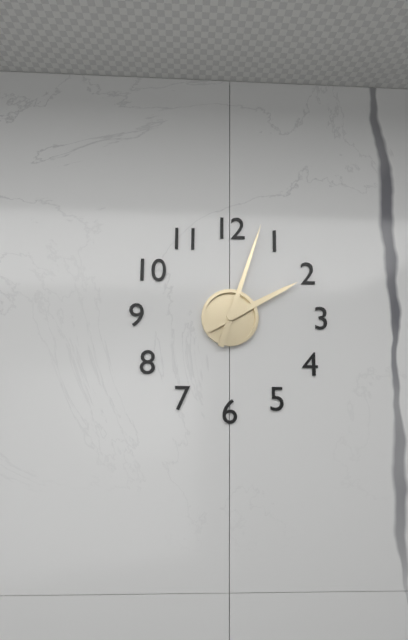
2:03
